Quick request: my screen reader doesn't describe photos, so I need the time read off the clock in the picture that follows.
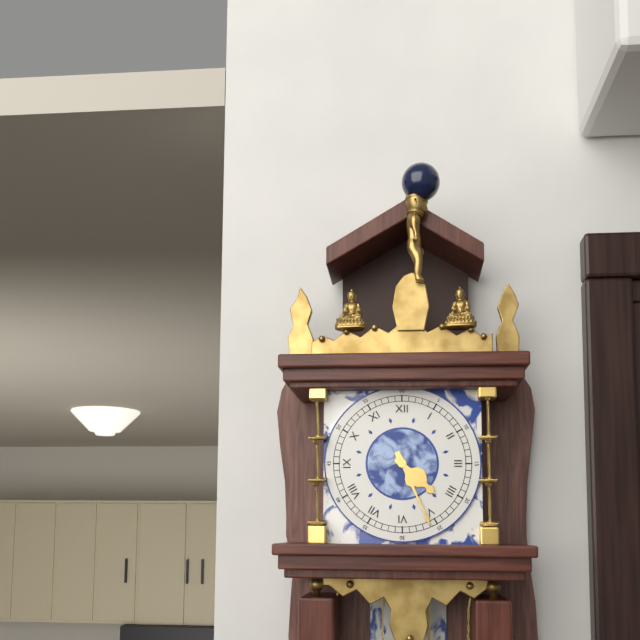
4:26
